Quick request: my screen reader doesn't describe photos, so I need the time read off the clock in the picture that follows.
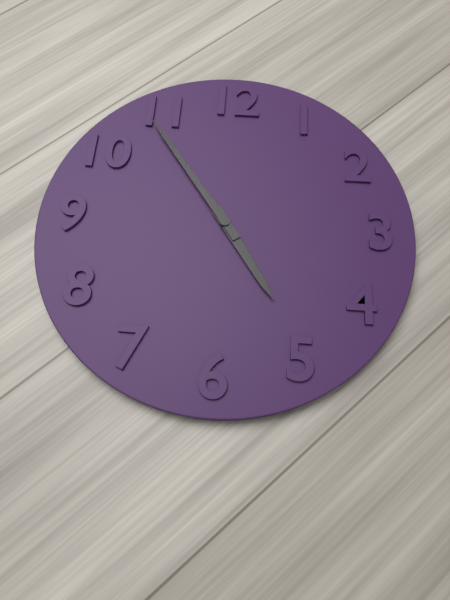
4:54
